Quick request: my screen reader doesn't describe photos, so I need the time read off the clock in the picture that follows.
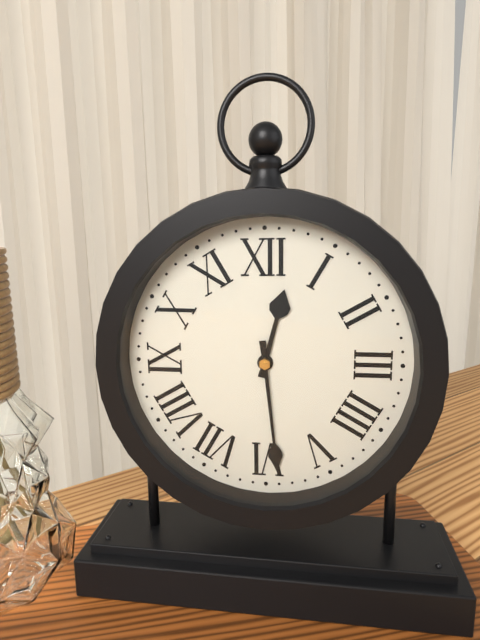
12:29
